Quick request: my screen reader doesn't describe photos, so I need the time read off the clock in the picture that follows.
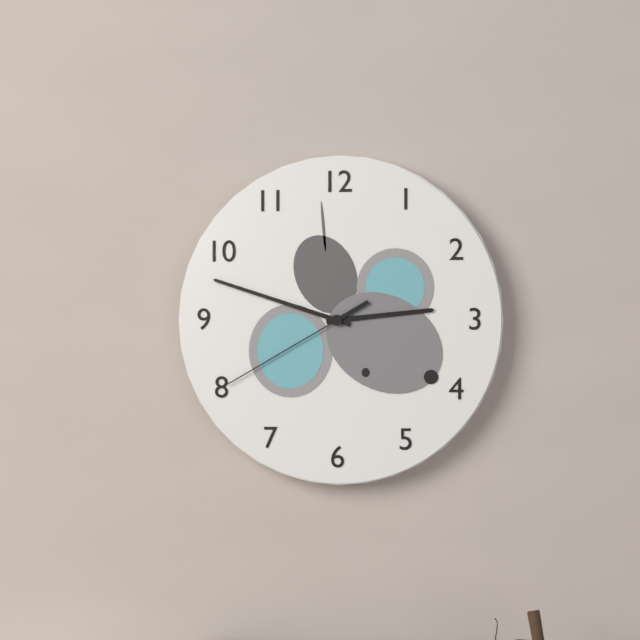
2:48:40
